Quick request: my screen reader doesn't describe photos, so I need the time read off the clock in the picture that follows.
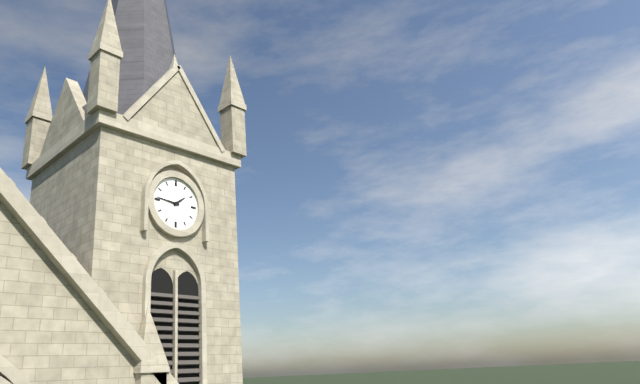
1:46
